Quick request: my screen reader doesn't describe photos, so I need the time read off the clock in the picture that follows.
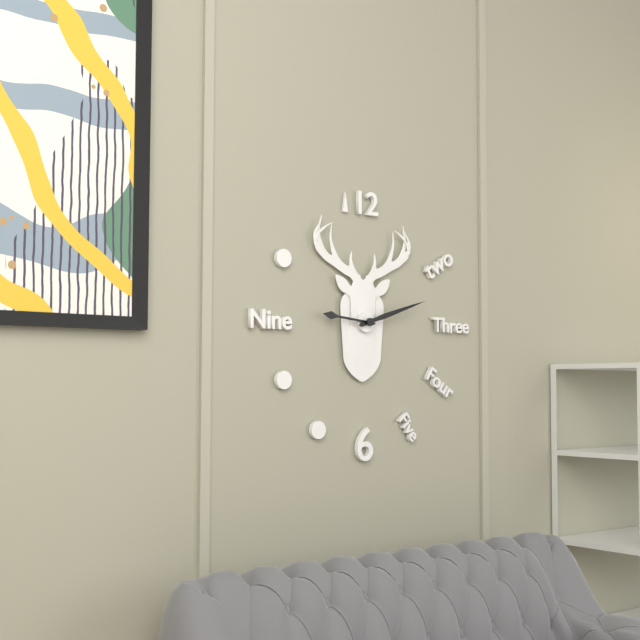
9:12
